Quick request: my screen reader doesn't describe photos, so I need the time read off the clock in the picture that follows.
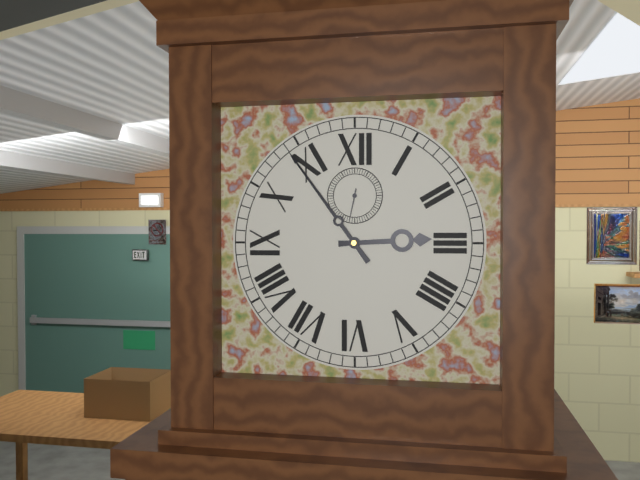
2:54
